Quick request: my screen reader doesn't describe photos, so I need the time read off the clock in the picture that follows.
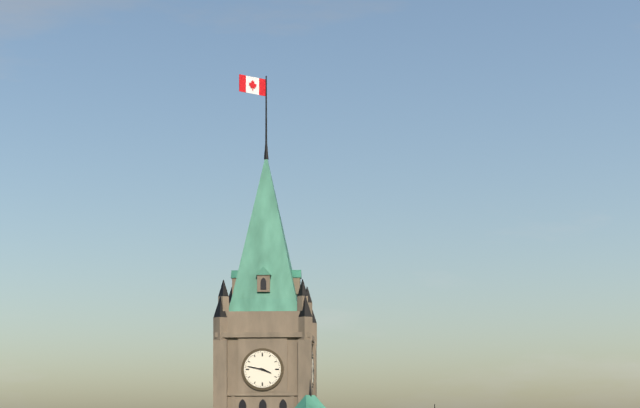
3:47
